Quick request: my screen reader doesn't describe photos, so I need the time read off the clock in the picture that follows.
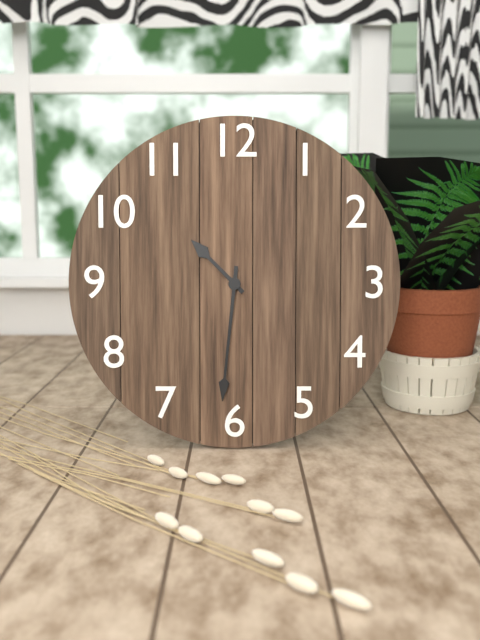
10:31
